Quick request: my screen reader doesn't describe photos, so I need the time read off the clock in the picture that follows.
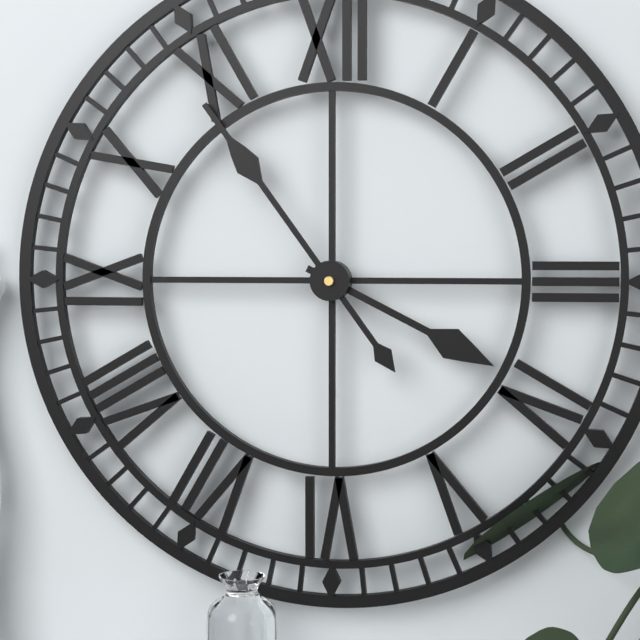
3:54
